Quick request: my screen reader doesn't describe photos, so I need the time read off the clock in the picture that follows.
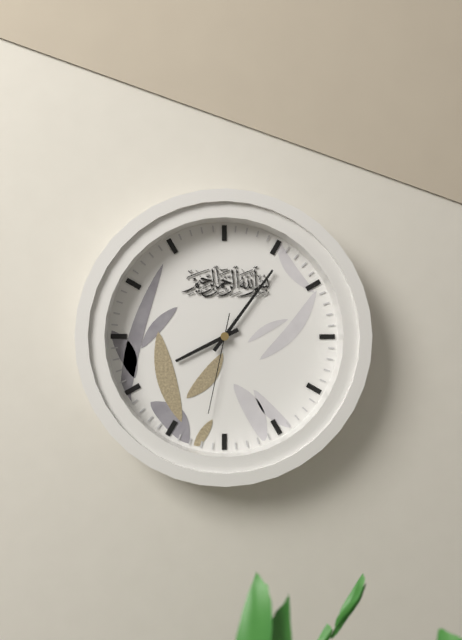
8:06:32
